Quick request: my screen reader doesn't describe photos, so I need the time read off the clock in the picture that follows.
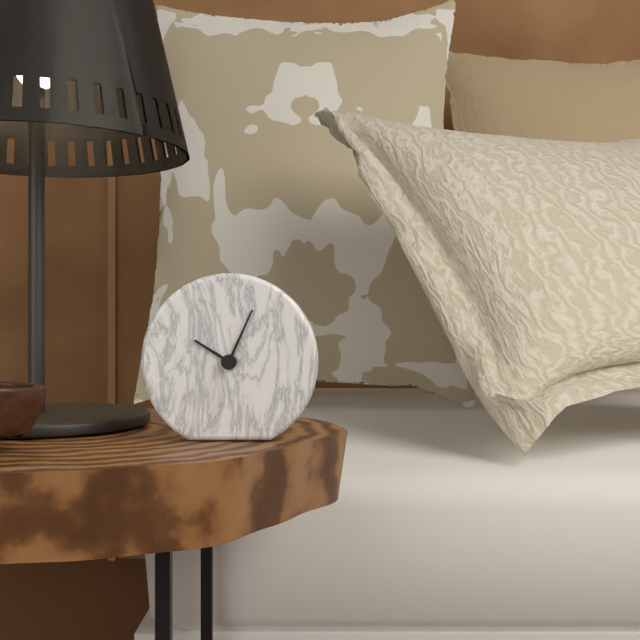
10:04
